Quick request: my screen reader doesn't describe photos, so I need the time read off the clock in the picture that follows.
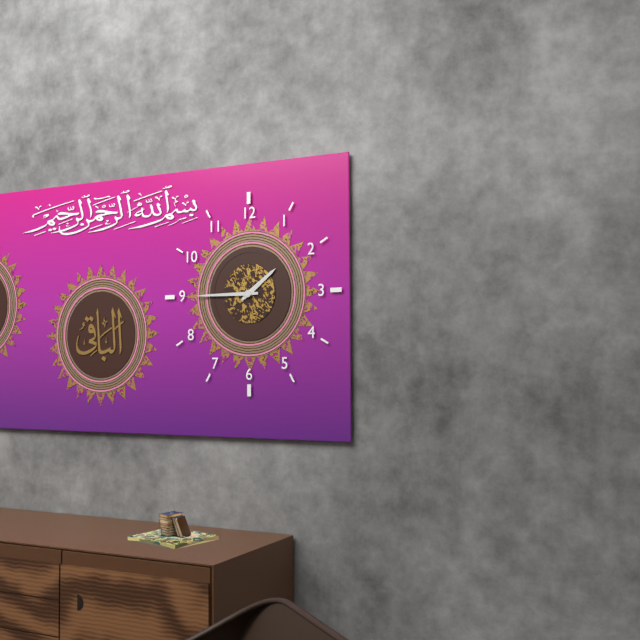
1:45
